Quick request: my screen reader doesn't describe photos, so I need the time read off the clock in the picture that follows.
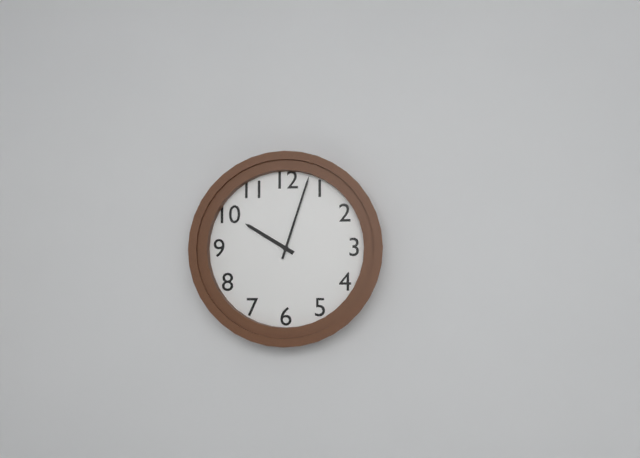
10:03
